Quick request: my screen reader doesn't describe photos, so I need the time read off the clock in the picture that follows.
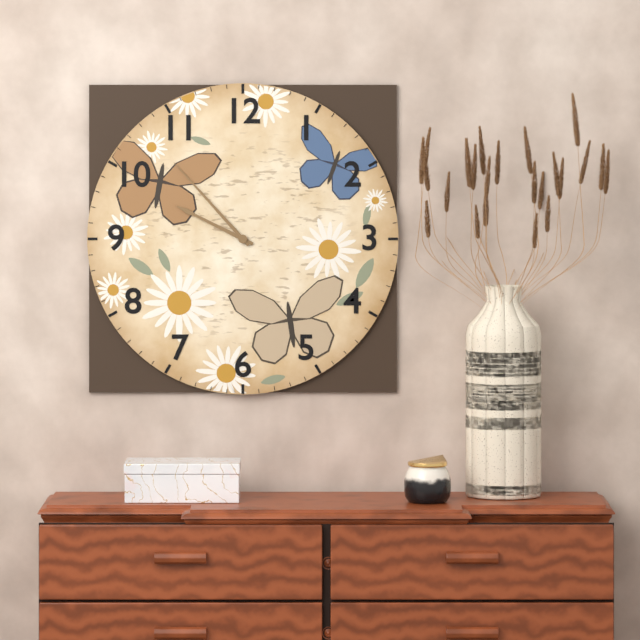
9:53
